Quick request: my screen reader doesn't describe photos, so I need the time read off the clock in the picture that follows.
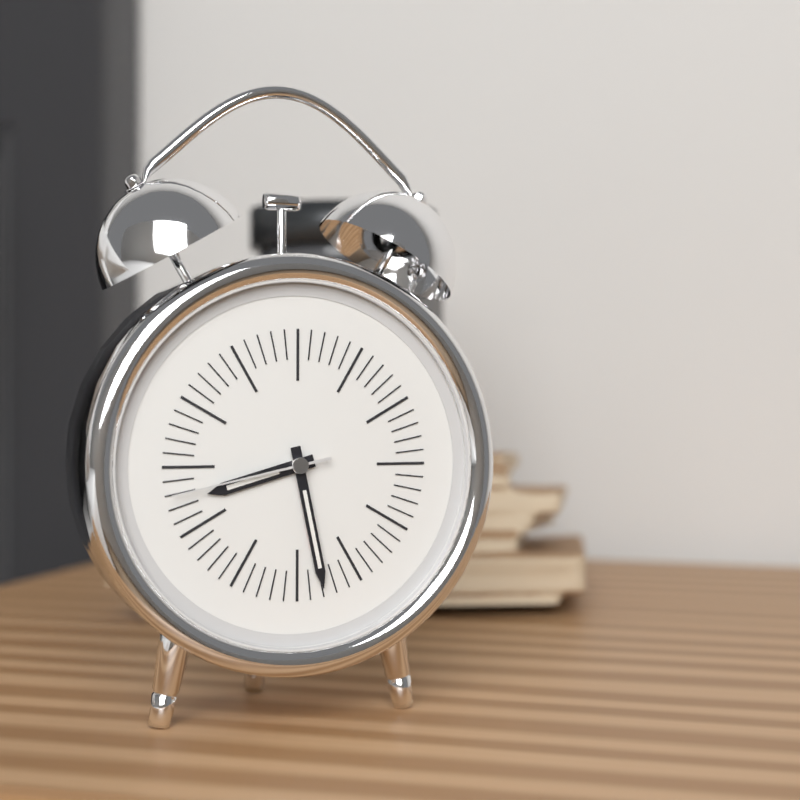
8:28:43
